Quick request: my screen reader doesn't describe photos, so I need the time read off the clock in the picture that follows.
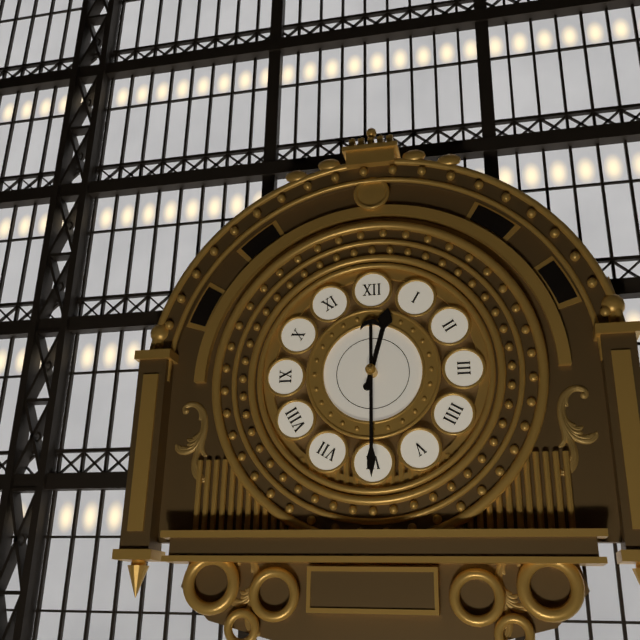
12:30
